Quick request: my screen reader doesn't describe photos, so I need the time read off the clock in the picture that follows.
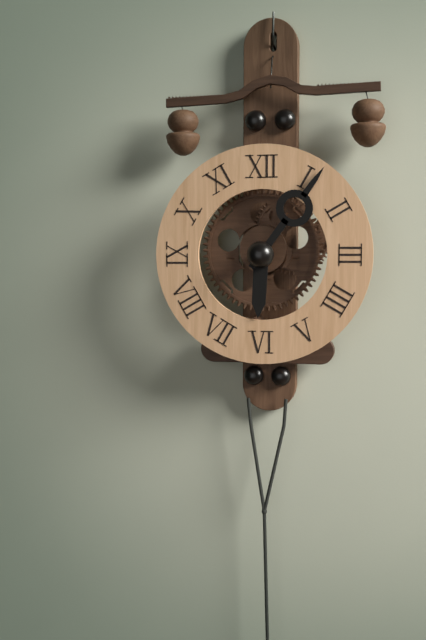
6:06
